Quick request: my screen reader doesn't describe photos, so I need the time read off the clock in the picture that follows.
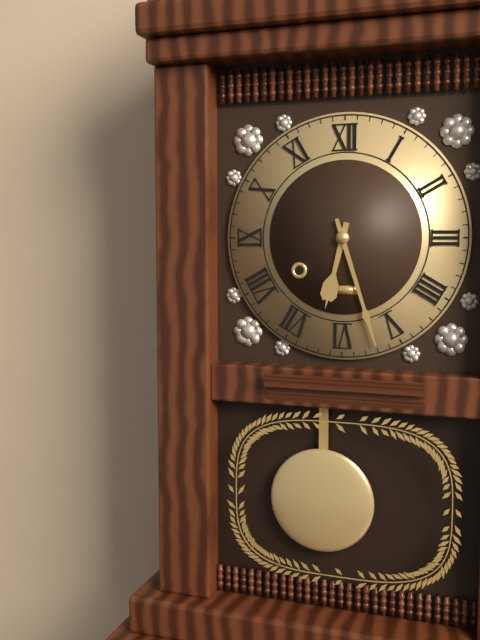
6:27
